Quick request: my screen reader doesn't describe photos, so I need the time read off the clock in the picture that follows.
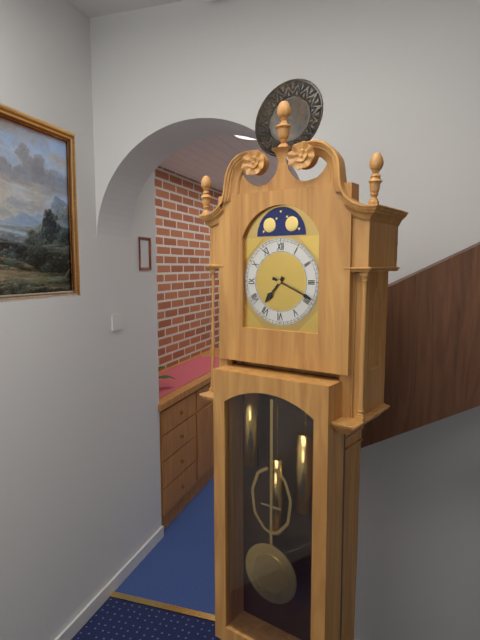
7:19
